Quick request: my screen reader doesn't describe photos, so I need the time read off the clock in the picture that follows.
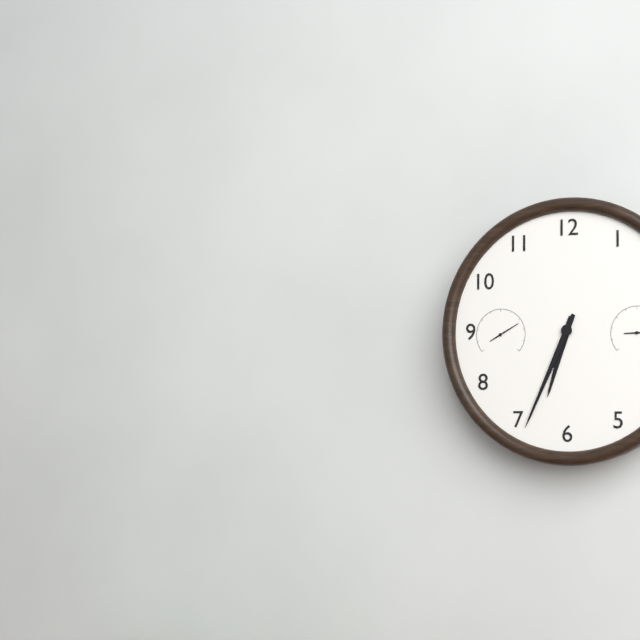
6:34
